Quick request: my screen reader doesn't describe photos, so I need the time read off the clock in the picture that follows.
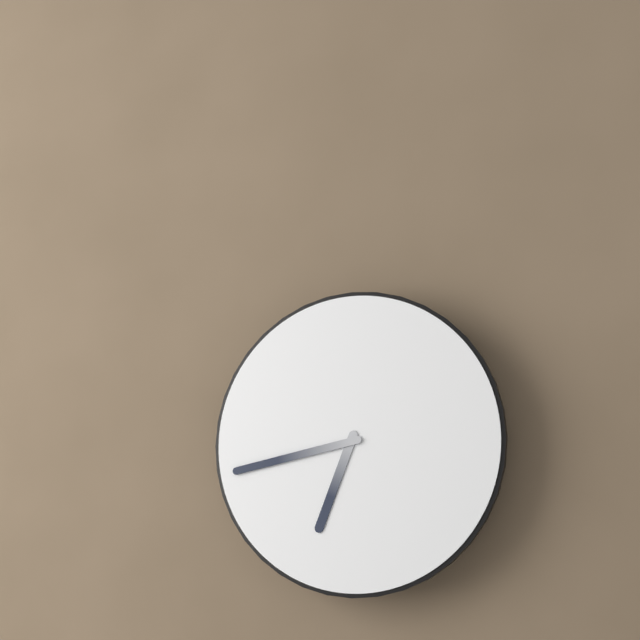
6:43
